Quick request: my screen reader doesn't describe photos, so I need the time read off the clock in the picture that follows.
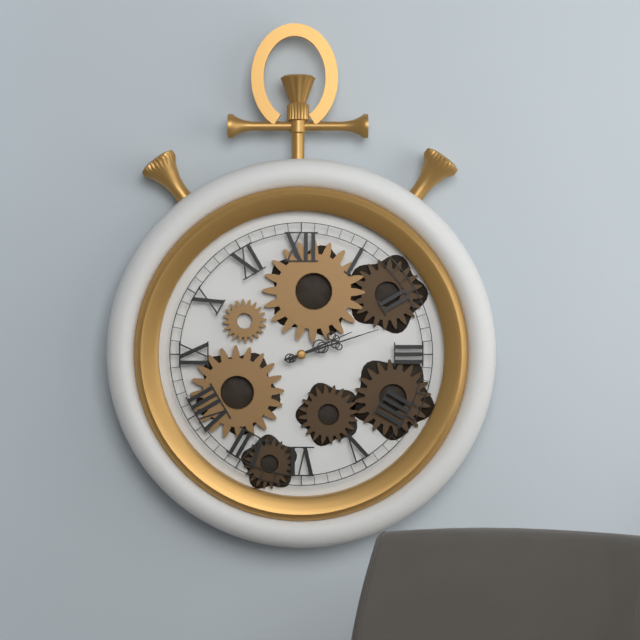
2:12
